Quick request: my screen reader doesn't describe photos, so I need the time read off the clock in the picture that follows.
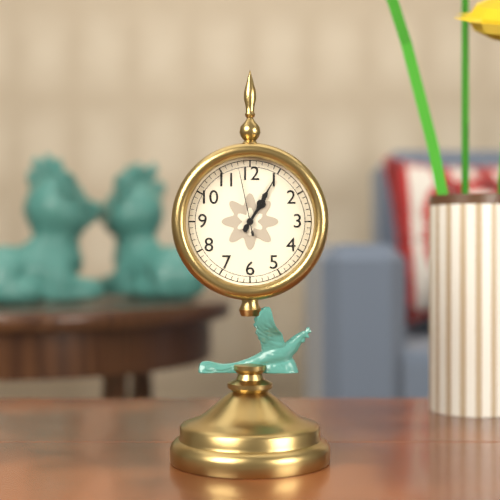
1:05:58
